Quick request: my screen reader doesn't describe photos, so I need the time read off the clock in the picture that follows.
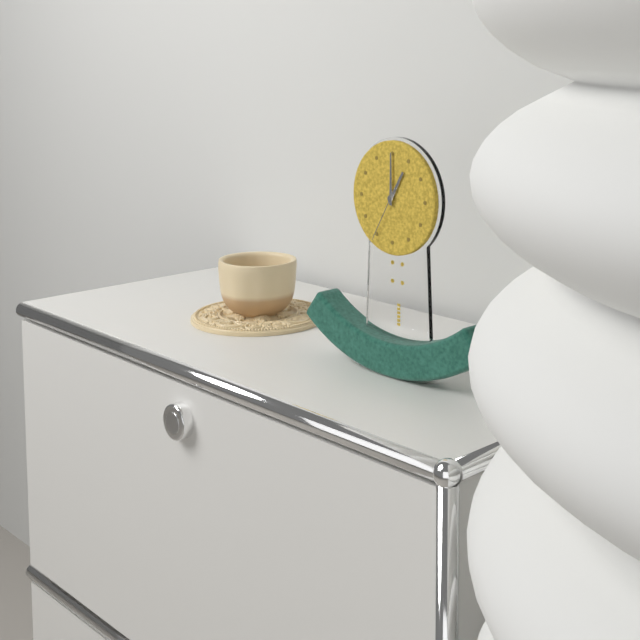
1:00:35
